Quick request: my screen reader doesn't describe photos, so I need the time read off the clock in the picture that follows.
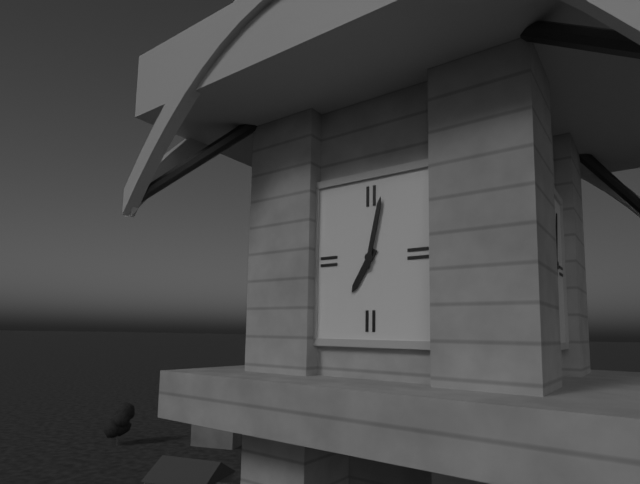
7:02
